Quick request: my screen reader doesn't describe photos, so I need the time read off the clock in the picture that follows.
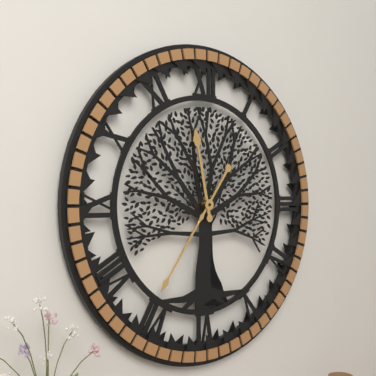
11:36
